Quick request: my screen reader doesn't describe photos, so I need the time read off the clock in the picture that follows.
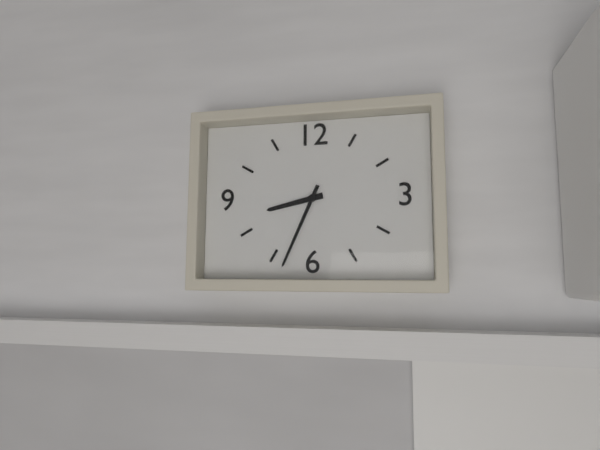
8:34
